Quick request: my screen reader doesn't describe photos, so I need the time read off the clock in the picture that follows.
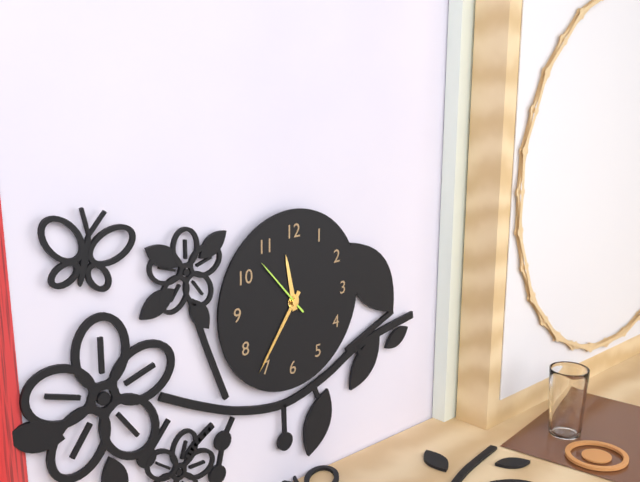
11:36:53
